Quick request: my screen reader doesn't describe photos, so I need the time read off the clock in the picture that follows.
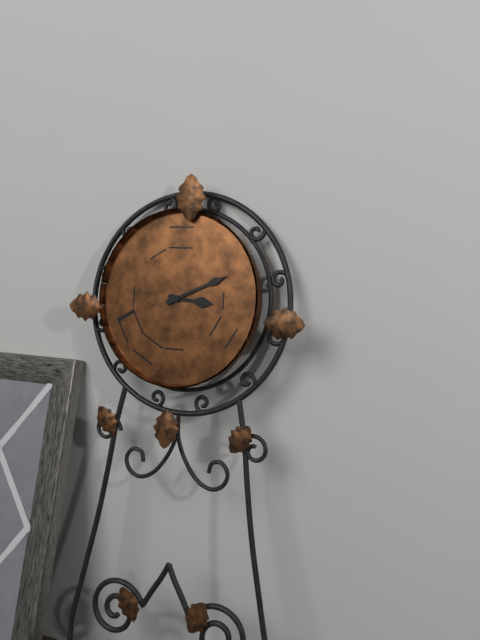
3:11
